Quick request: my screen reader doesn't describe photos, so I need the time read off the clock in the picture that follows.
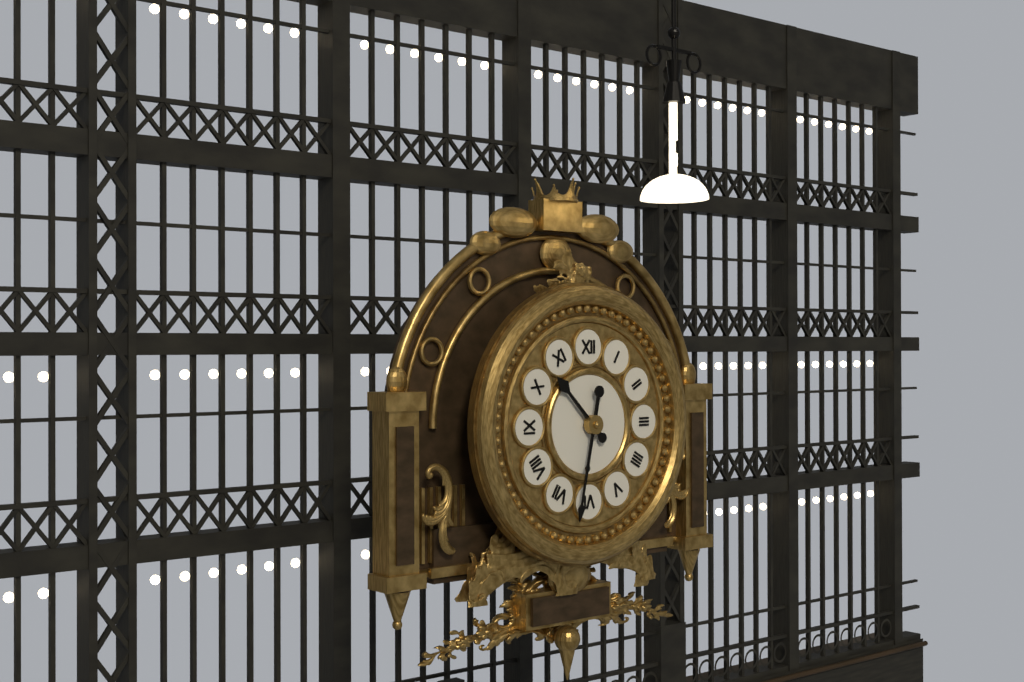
10:32
